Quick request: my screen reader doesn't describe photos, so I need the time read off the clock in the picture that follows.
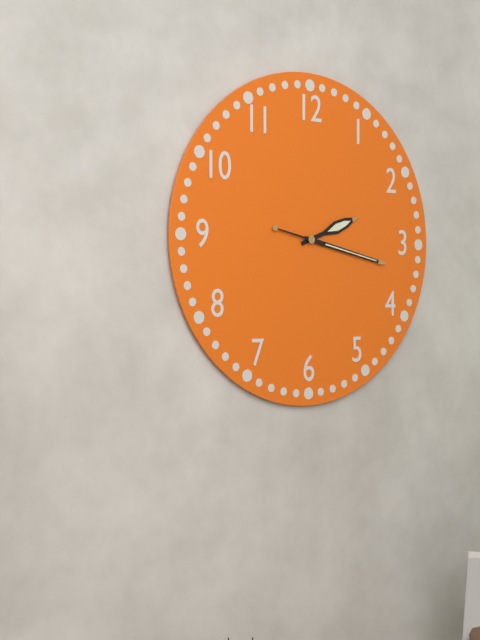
2:17
